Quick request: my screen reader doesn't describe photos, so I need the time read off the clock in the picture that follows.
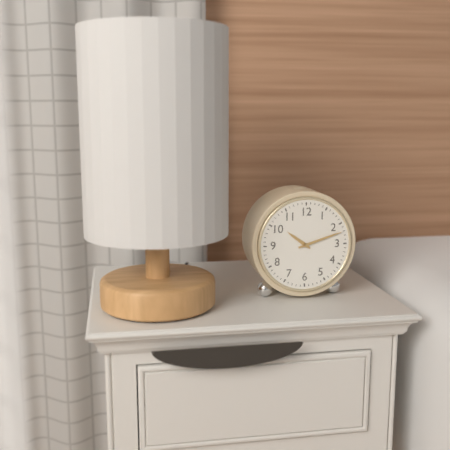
10:12
